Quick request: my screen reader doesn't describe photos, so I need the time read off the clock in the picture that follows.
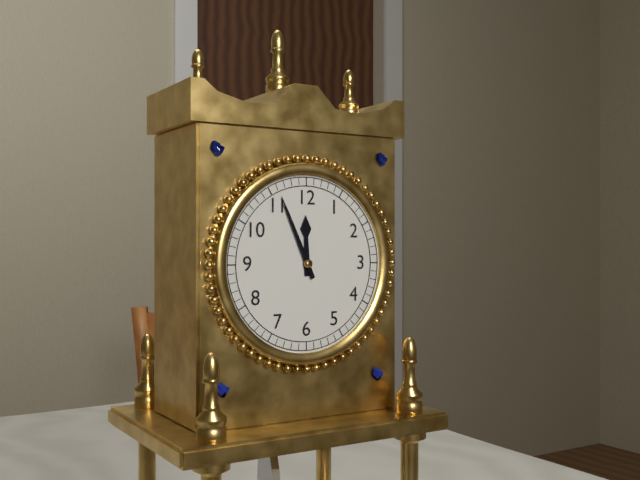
11:56
